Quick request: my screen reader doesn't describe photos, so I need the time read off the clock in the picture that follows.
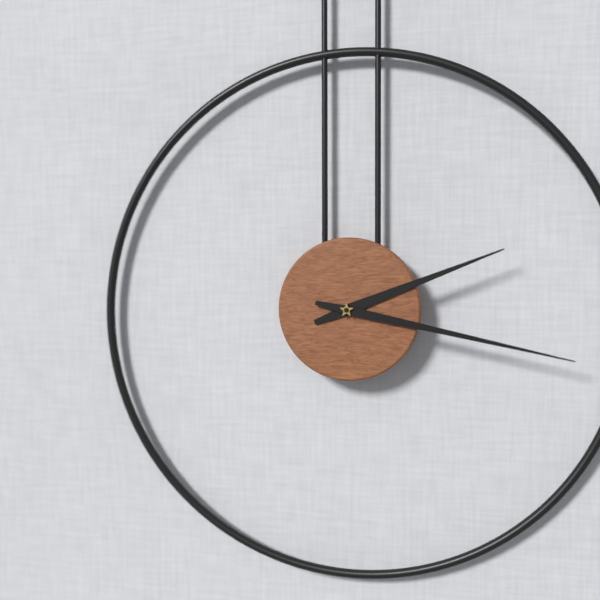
2:17
